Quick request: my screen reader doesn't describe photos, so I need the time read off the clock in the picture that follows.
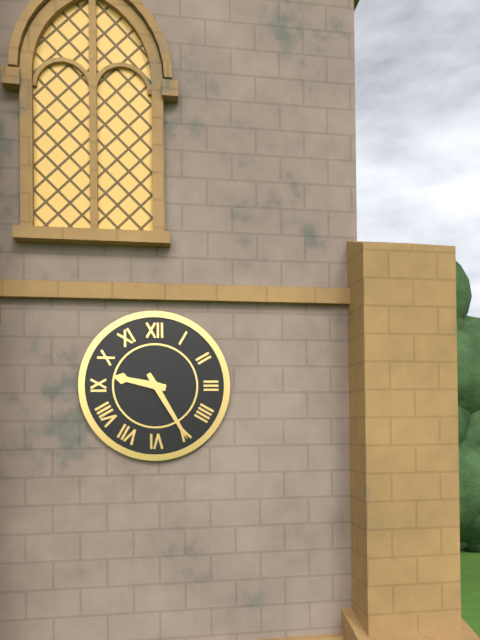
9:25
